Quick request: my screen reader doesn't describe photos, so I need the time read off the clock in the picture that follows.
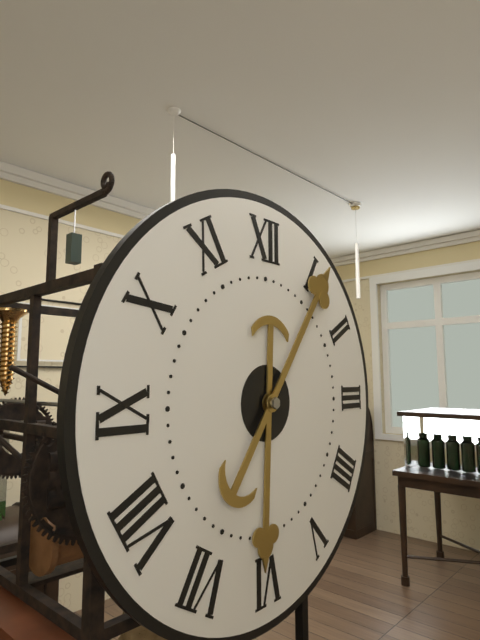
6:06
